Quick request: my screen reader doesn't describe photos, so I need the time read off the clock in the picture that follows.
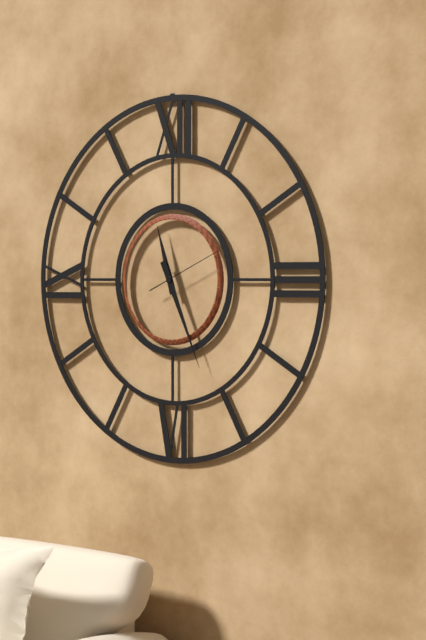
11:26:11
